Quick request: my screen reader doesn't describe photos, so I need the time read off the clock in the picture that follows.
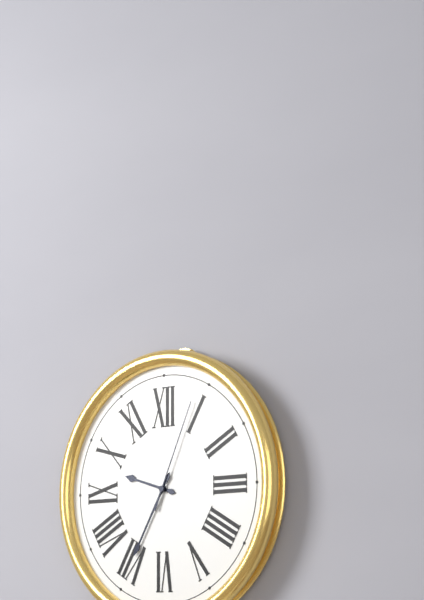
9:35:04
